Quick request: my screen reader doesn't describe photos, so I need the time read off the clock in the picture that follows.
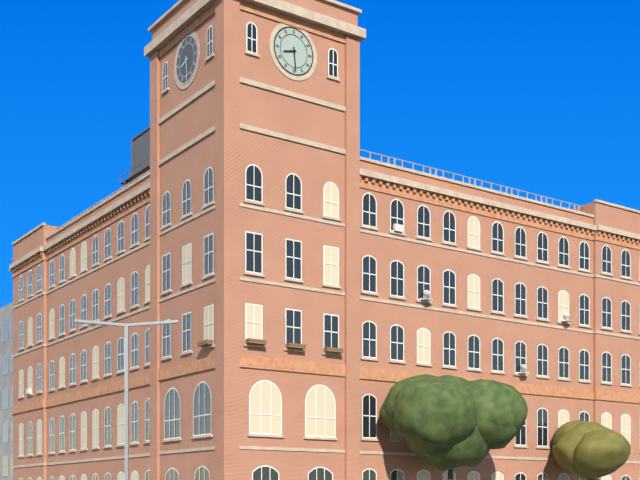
8:29
